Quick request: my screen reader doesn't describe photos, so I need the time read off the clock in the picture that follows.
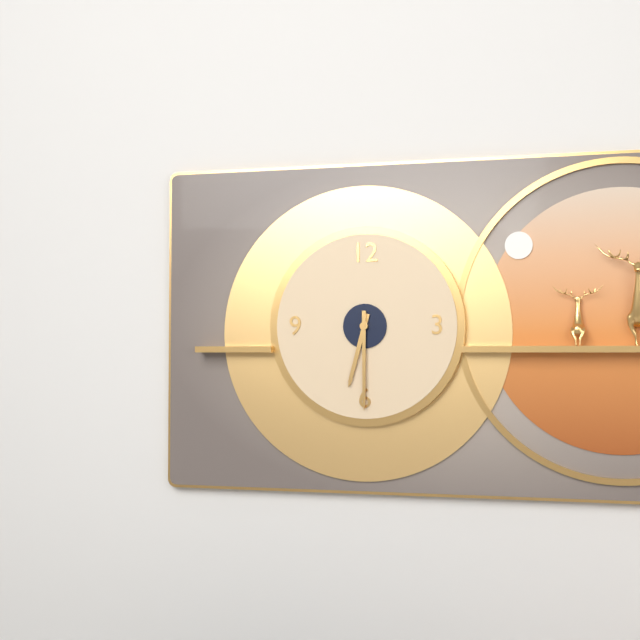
6:30
